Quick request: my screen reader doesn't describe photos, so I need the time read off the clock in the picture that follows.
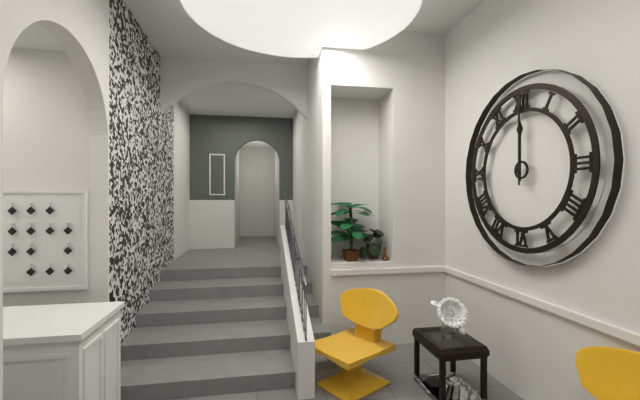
12:00
